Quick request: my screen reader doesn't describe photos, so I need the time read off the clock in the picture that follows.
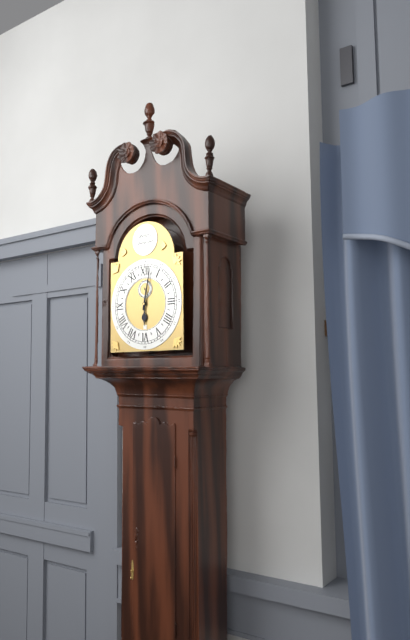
6:02
